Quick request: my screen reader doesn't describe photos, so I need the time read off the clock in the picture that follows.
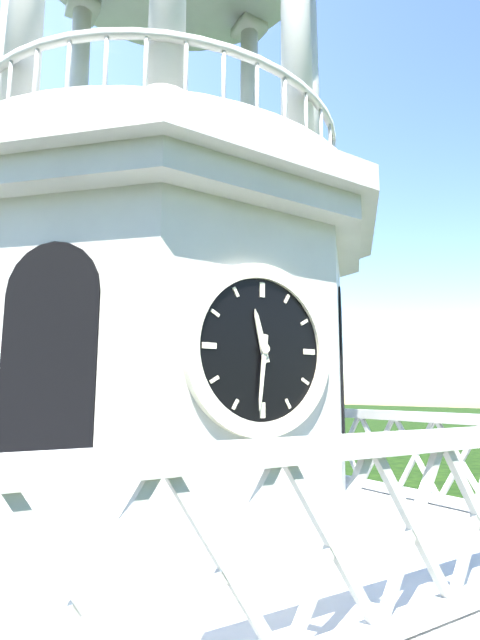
11:31
